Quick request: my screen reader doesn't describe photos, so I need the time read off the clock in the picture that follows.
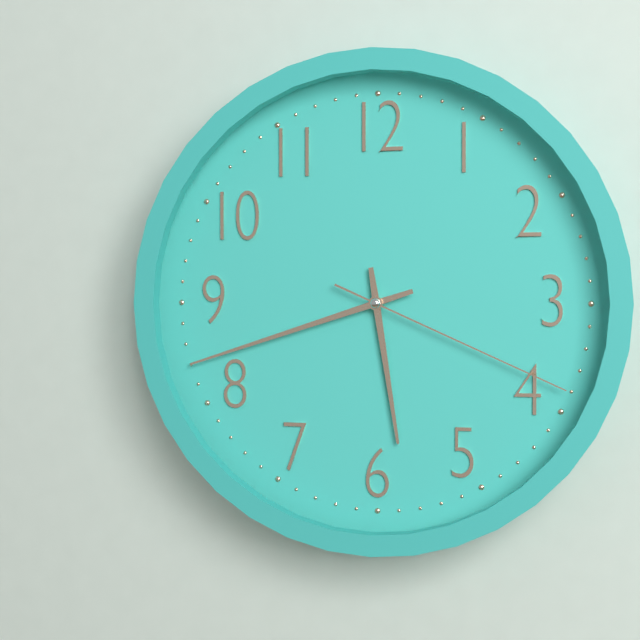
5:42:19
